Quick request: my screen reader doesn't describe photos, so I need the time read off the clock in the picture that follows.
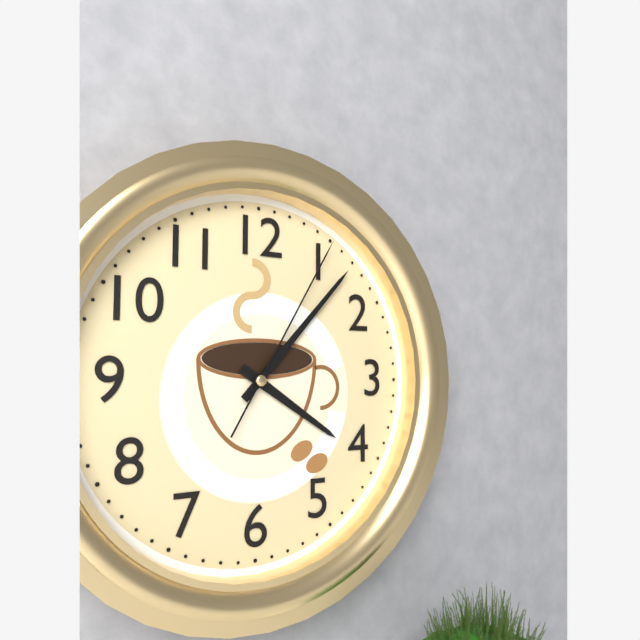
4:07:05
